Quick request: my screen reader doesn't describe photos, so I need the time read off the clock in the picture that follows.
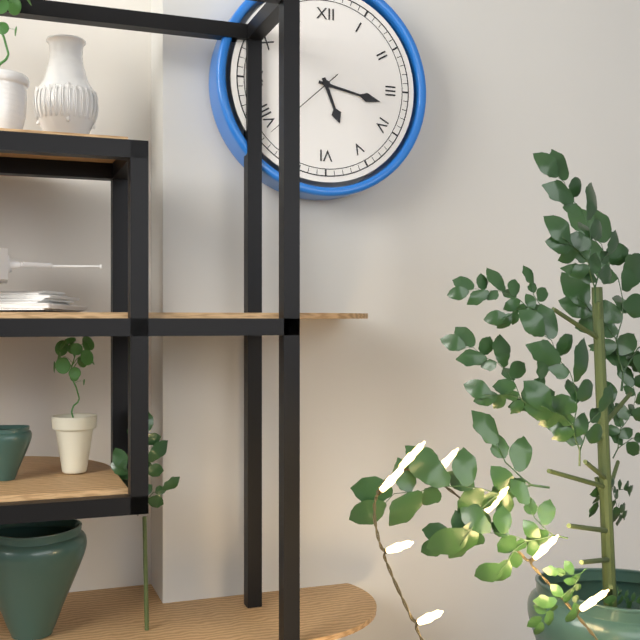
5:17
